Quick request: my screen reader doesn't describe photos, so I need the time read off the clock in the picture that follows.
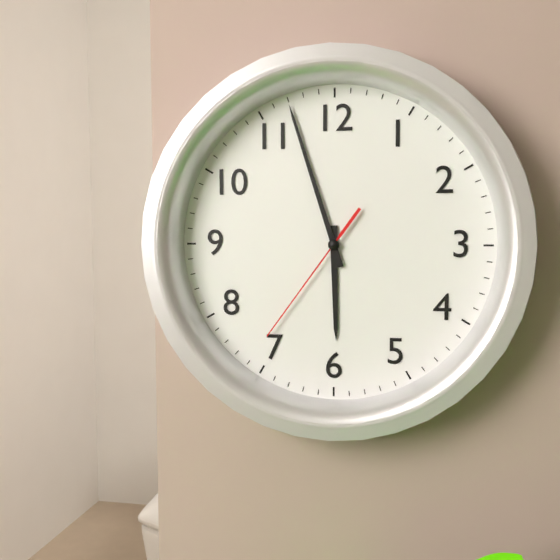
5:57:36
